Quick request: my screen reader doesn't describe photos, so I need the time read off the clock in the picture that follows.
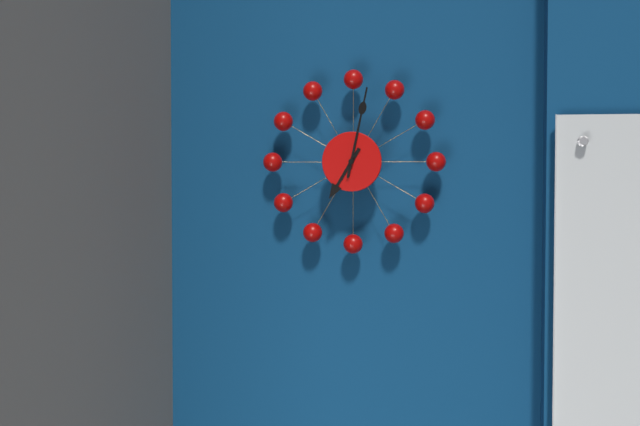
7:02
